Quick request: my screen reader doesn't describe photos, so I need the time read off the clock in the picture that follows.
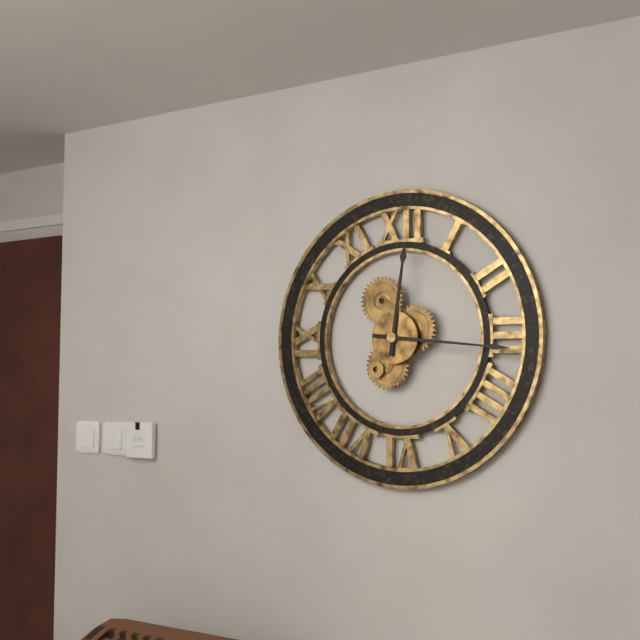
12:16
